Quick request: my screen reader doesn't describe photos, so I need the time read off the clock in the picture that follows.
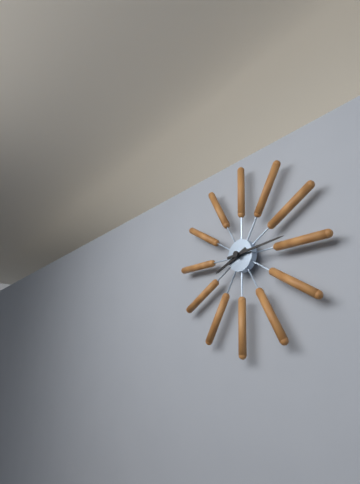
8:14
